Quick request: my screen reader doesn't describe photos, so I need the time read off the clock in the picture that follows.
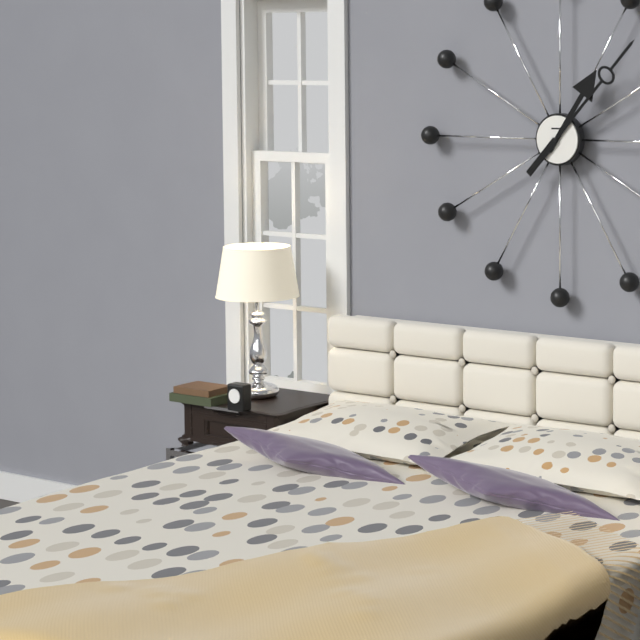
1:07
